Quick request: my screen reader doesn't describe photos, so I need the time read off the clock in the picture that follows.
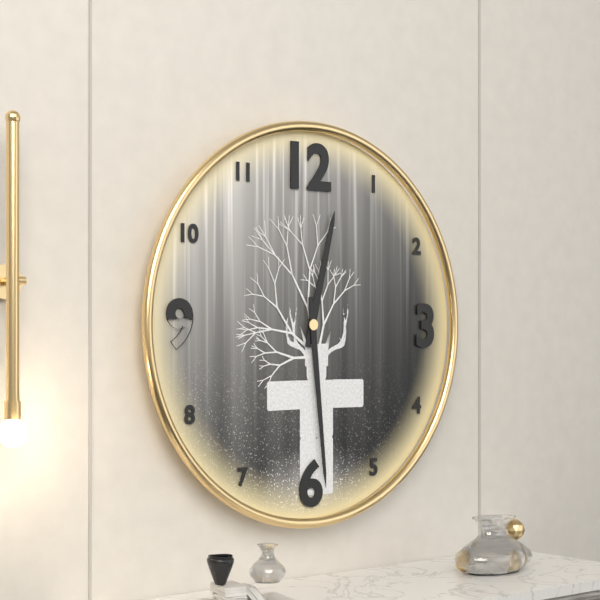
12:29
